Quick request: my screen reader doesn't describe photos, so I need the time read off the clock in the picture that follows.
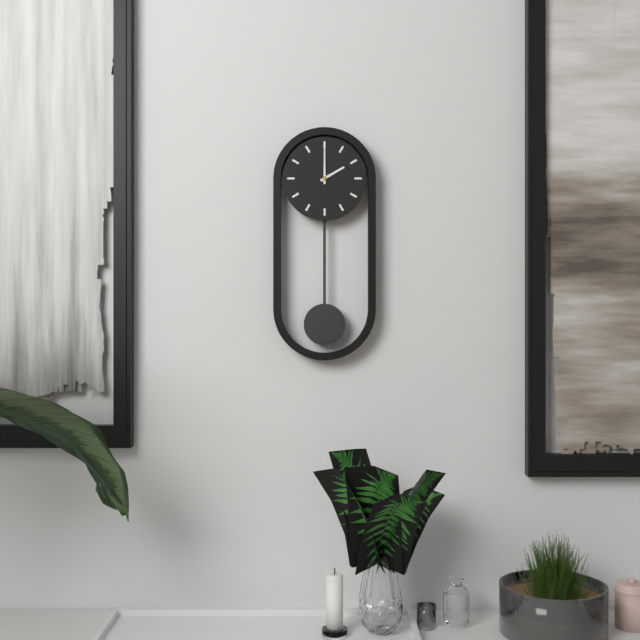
2:00
